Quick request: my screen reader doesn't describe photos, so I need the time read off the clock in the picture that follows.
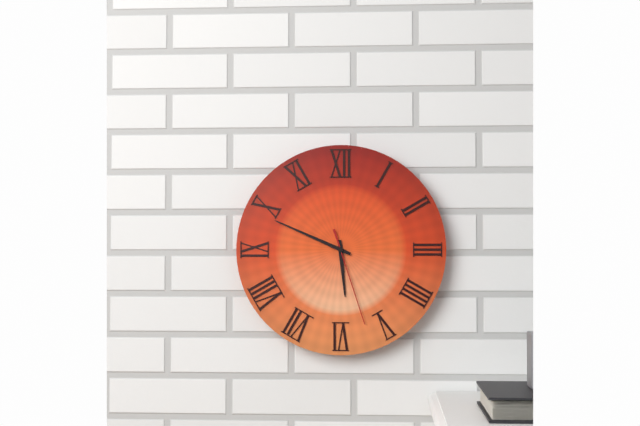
5:49:27
